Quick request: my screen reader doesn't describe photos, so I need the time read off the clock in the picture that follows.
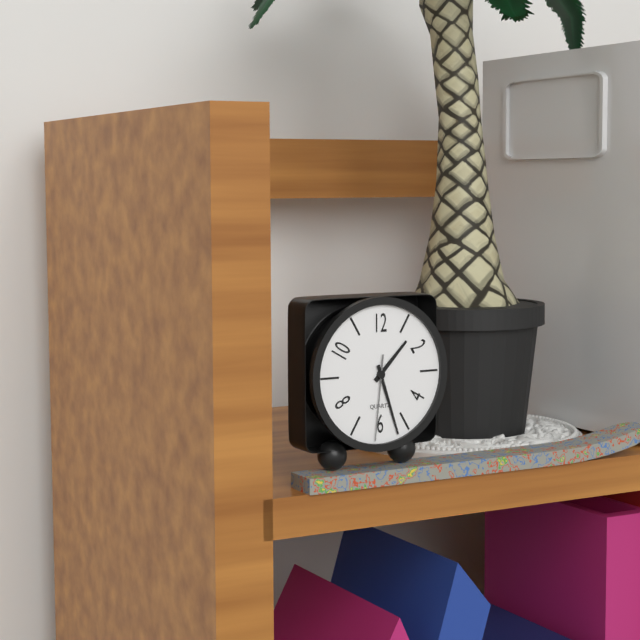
1:27:31
